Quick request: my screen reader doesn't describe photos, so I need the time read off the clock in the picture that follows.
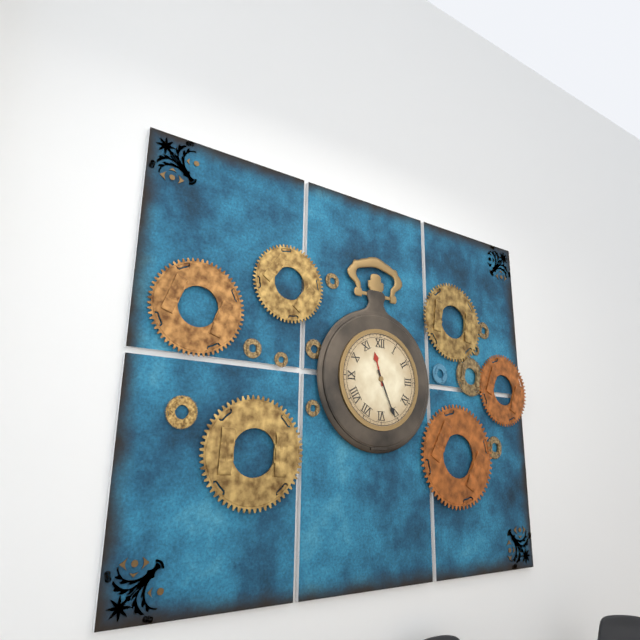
11:26
